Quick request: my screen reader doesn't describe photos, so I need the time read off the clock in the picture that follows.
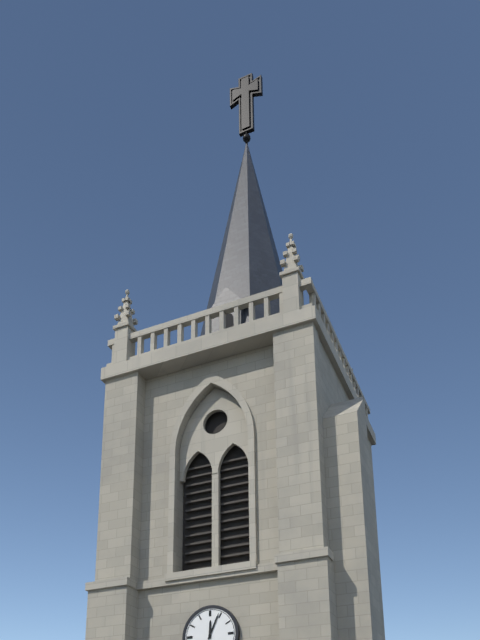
12:04
